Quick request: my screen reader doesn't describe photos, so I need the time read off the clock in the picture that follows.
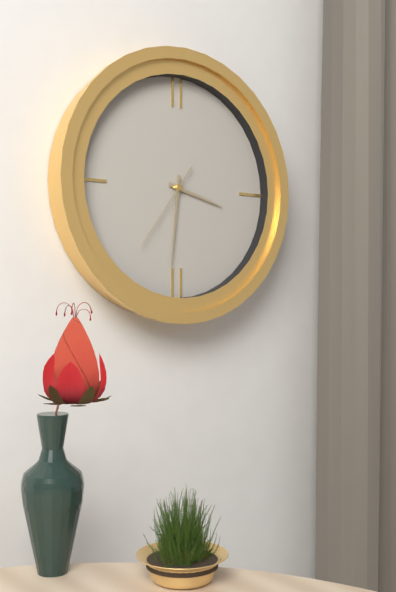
3:31:36
